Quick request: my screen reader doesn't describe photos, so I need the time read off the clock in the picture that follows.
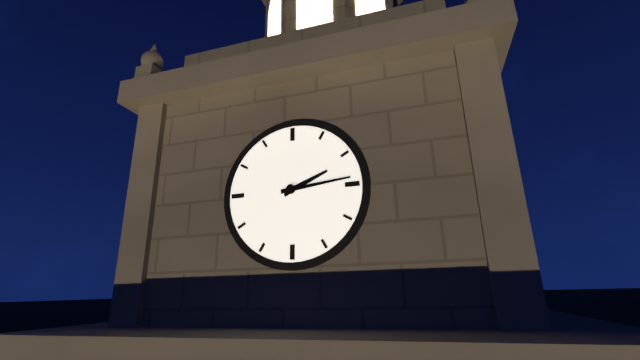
2:14
